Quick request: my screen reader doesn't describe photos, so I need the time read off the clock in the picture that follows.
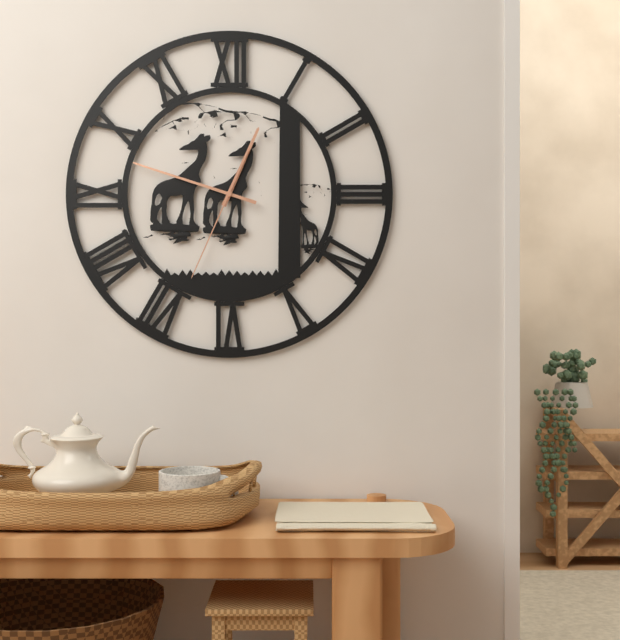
12:48:34
